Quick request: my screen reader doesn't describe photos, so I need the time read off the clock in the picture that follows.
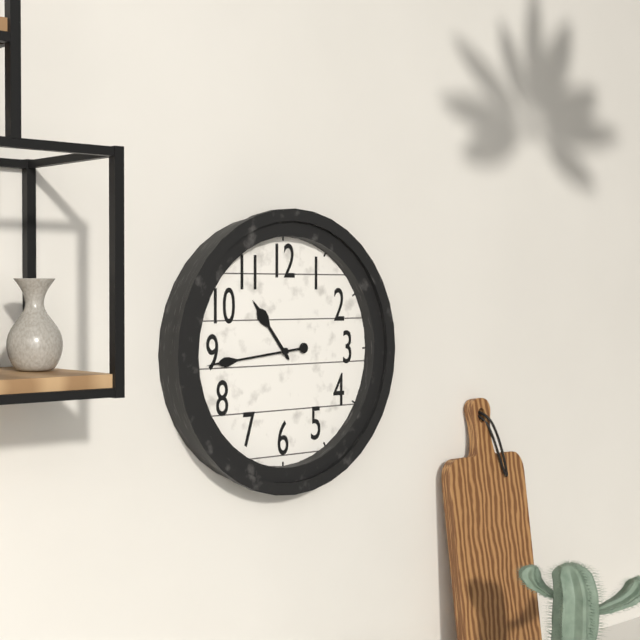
10:44
